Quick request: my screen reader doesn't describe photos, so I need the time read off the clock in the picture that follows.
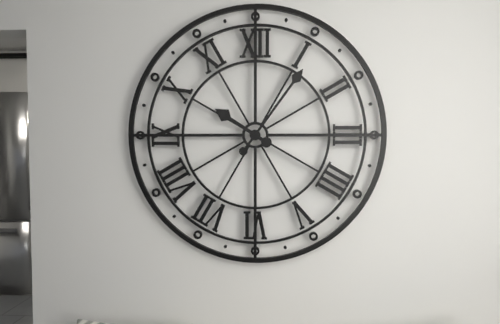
10:06
